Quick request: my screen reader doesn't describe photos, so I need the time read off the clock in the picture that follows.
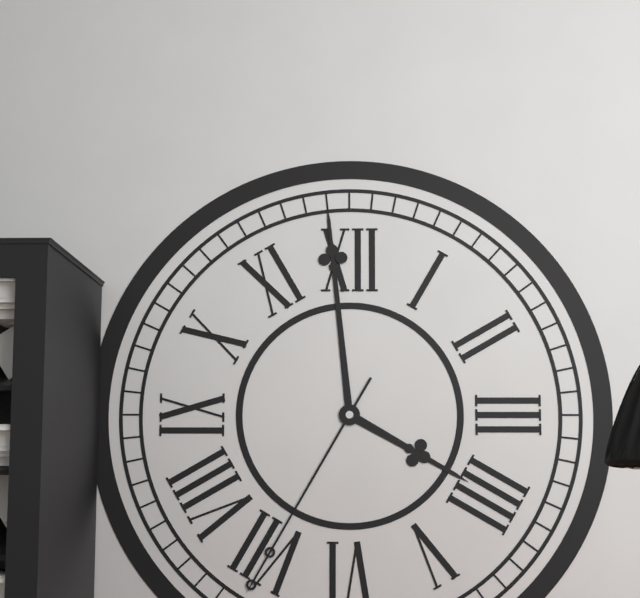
3:59:35
